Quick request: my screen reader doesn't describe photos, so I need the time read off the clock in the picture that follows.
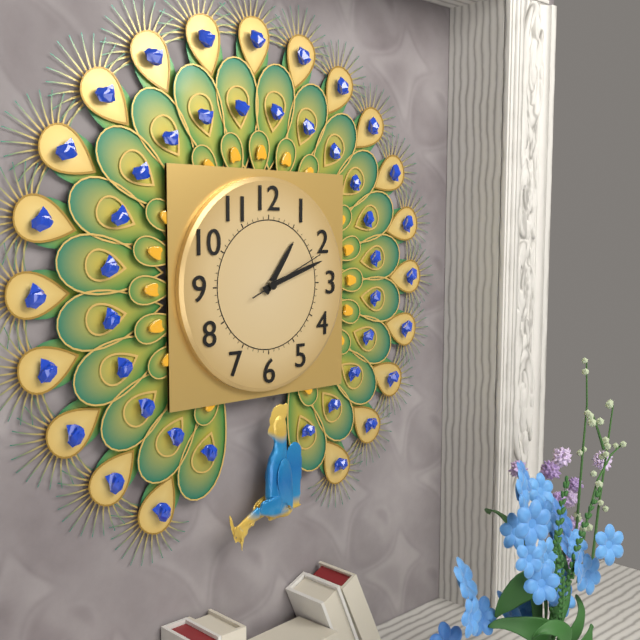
1:12:11
